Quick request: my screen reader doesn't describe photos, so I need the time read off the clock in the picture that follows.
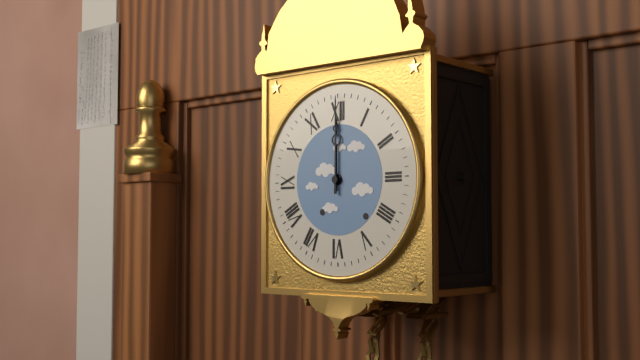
12:00
